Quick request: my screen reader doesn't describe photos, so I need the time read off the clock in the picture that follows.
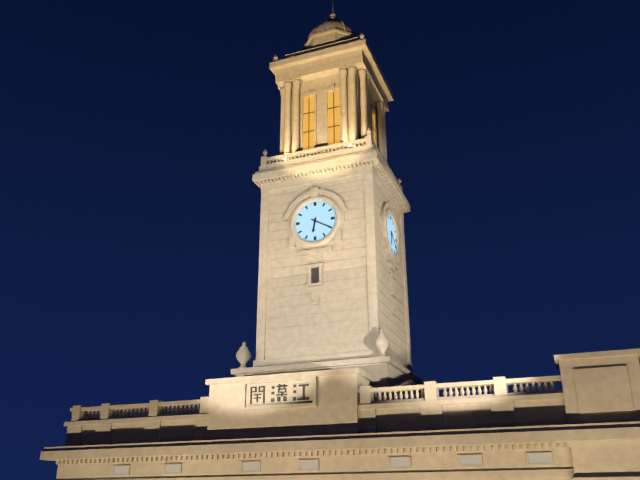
6:20
